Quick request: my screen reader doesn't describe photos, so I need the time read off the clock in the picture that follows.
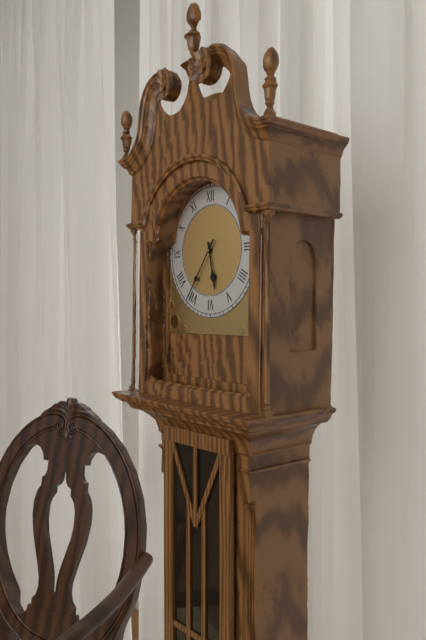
5:36
